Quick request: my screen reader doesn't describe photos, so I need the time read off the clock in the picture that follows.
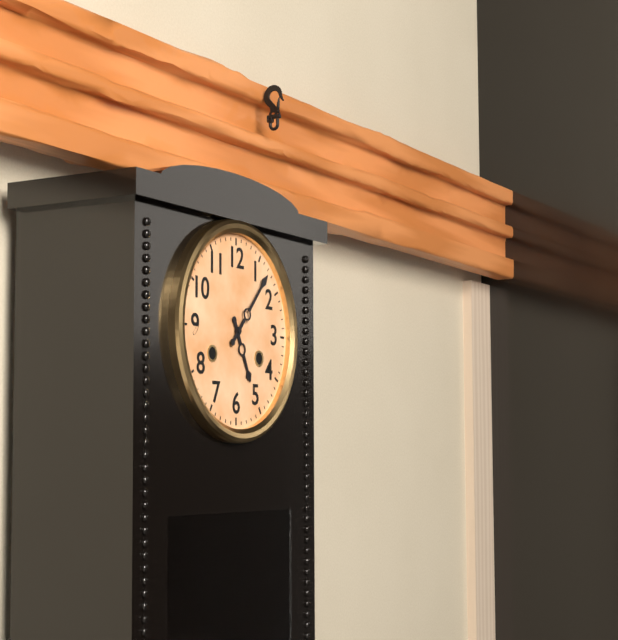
5:07
